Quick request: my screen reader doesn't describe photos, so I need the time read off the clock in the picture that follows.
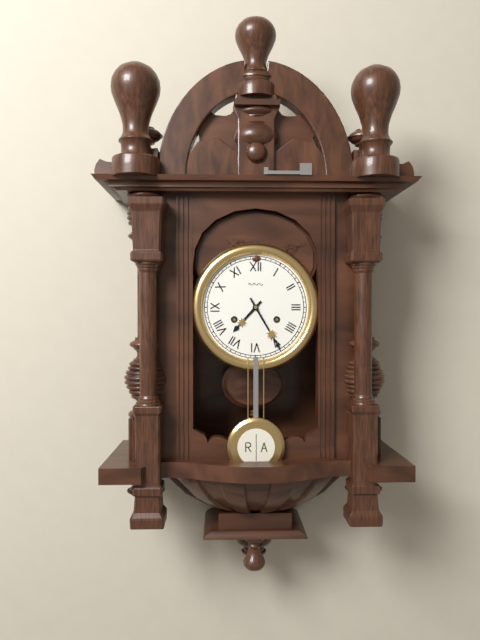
7:25
